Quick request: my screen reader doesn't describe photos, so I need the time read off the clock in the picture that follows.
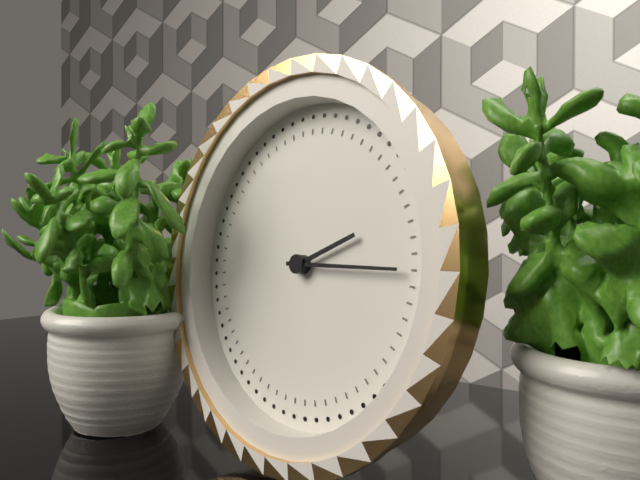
2:15
